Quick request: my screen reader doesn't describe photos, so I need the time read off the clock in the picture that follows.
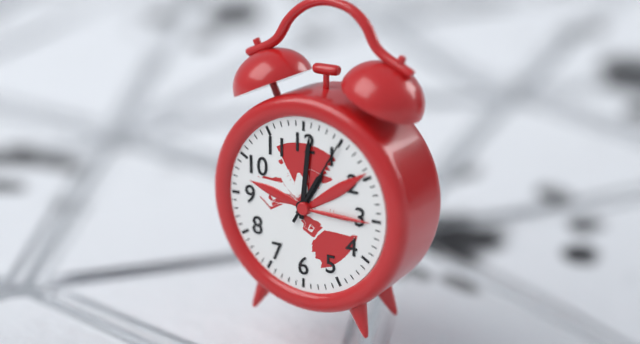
1:01:05
